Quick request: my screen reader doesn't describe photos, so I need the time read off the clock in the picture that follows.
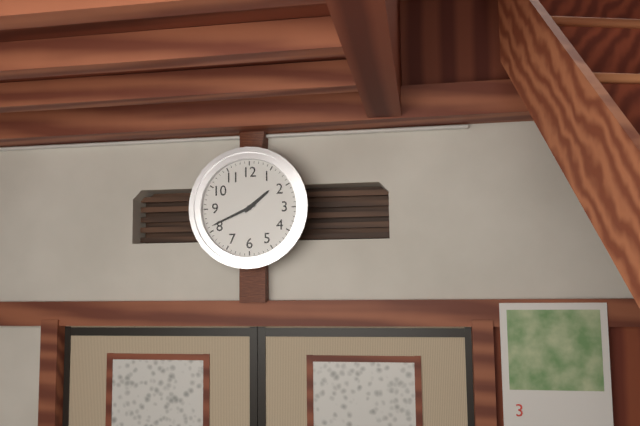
1:41
